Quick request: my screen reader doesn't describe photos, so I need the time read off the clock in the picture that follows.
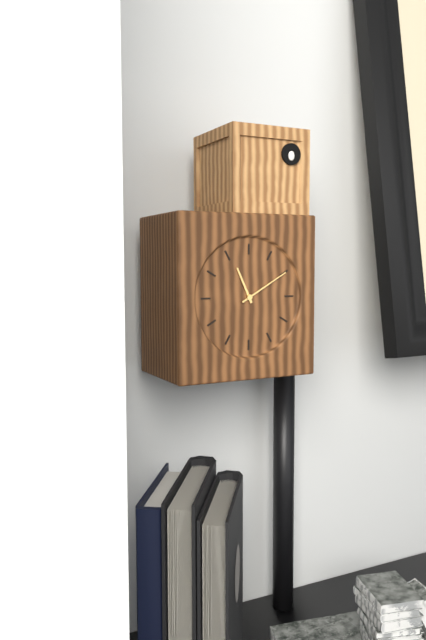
11:10
